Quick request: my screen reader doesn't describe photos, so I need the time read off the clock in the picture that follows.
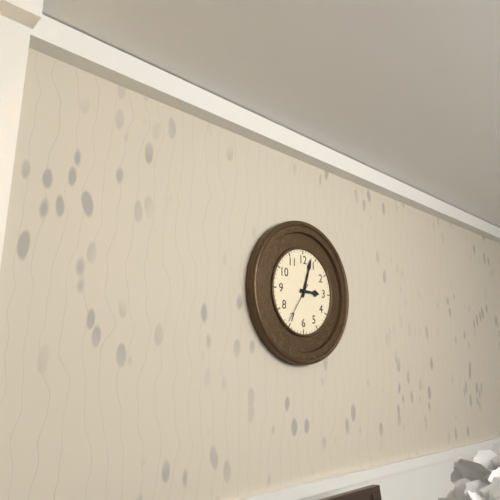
3:03
